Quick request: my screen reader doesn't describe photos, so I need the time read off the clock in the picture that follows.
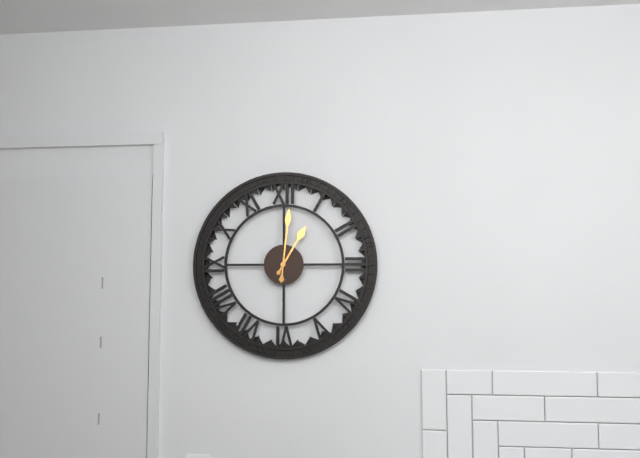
1:01
